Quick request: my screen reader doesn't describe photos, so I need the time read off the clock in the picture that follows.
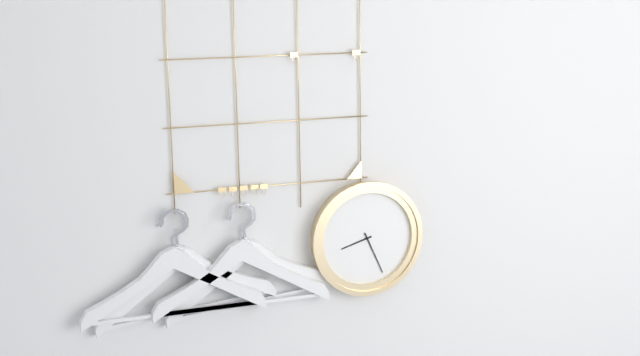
8:26
